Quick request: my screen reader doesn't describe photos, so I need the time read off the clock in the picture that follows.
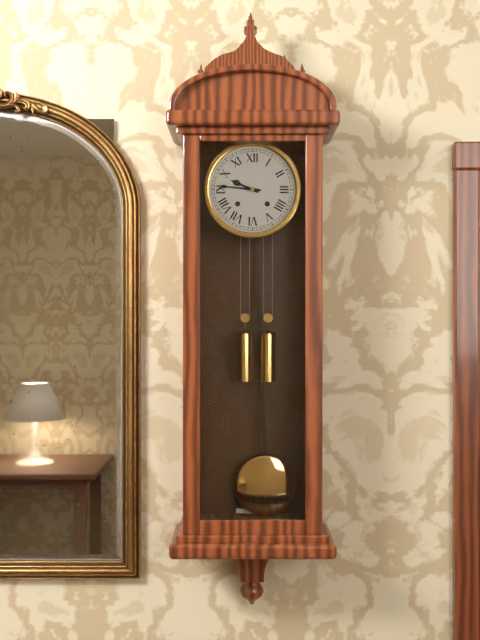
9:46
